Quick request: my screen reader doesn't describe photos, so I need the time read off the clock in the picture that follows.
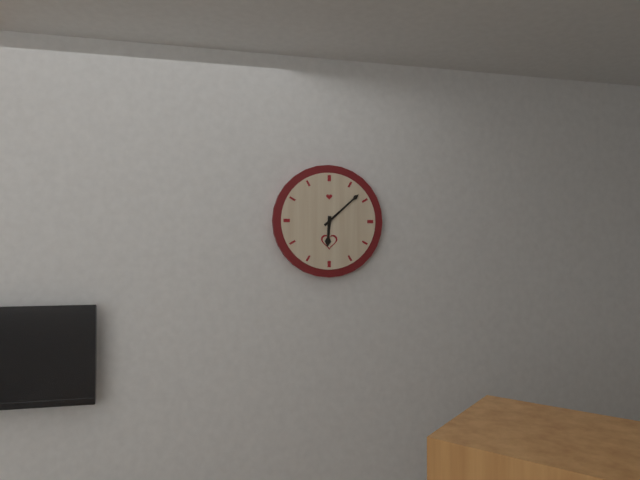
6:08
